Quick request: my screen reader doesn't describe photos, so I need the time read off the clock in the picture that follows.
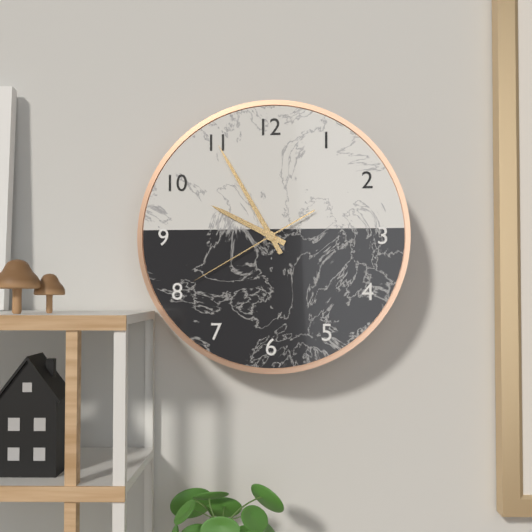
9:55:40
